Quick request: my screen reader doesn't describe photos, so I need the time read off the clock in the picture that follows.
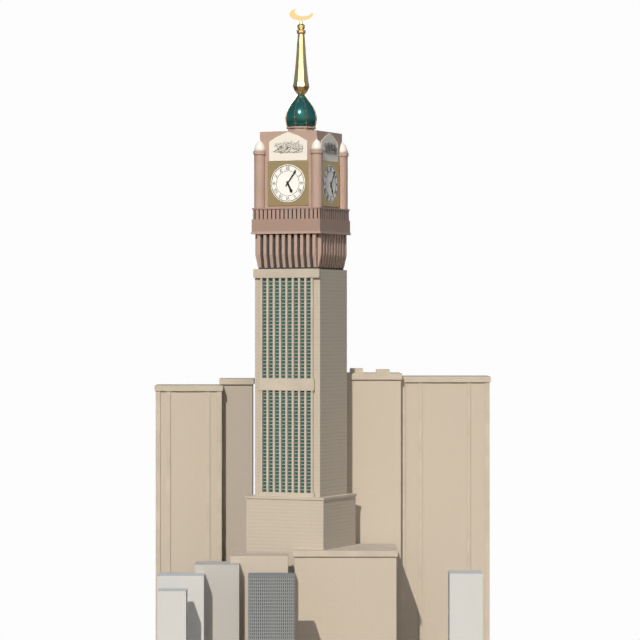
5:06
